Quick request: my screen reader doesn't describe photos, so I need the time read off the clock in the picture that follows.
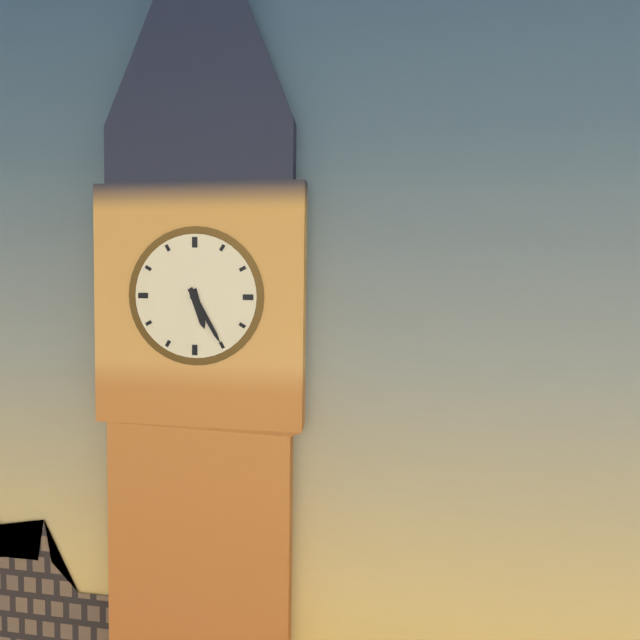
5:25
